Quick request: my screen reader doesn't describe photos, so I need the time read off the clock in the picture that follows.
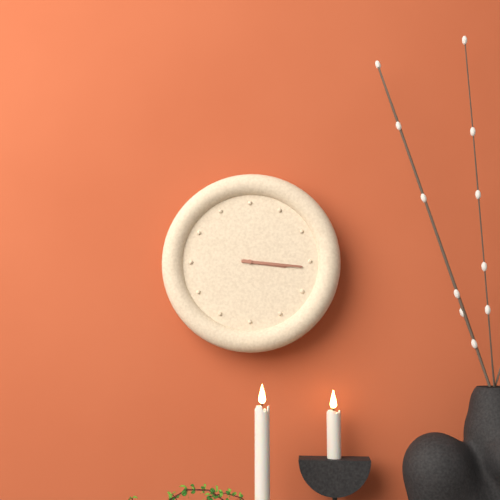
3:16
